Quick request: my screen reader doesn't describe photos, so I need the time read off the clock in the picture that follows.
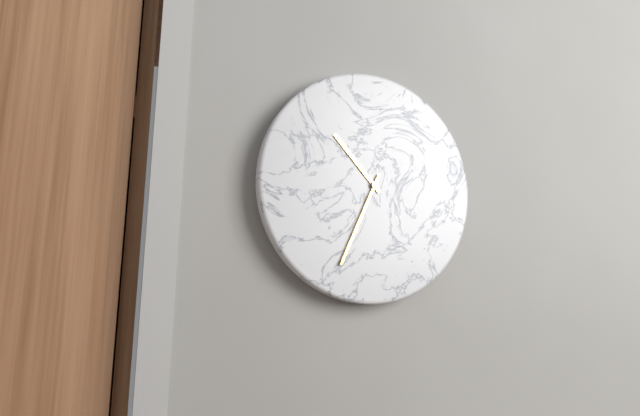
10:34
